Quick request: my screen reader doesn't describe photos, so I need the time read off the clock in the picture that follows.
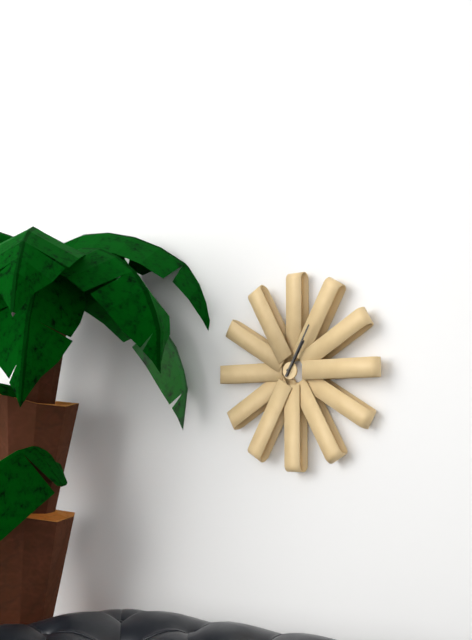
1:05
